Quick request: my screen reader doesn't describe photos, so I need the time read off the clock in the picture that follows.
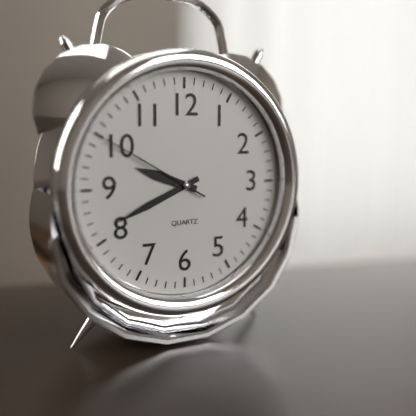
9:41:50
